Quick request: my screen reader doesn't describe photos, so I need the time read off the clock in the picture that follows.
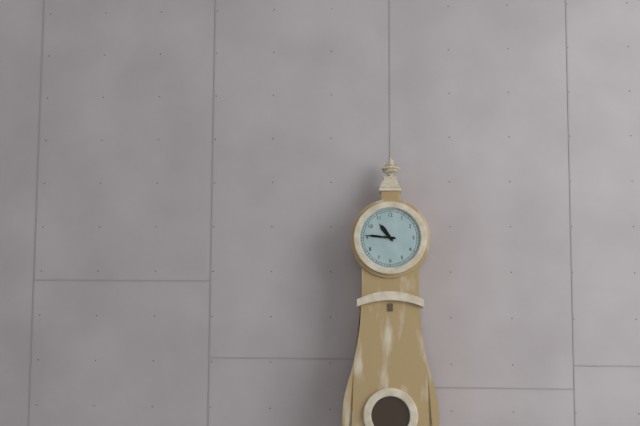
10:46
